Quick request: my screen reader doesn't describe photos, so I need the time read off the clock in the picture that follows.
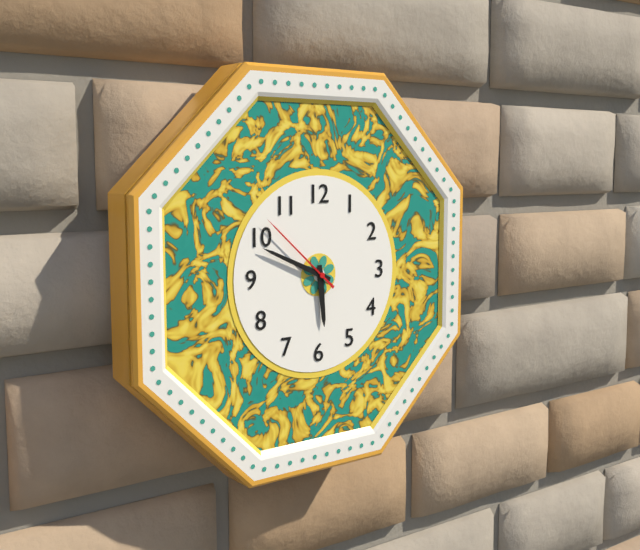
5:49:52
